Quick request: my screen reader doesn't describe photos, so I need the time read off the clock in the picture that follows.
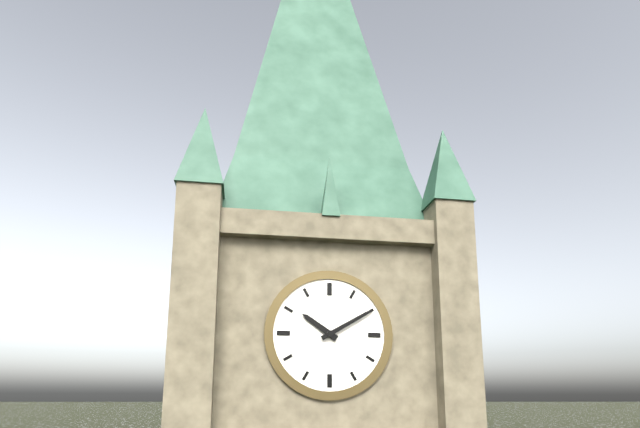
10:10
